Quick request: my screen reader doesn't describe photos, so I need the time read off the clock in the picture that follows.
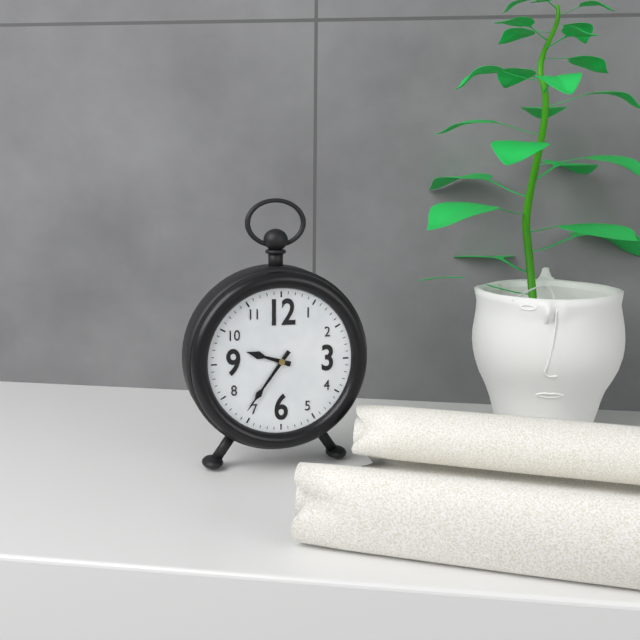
9:36
